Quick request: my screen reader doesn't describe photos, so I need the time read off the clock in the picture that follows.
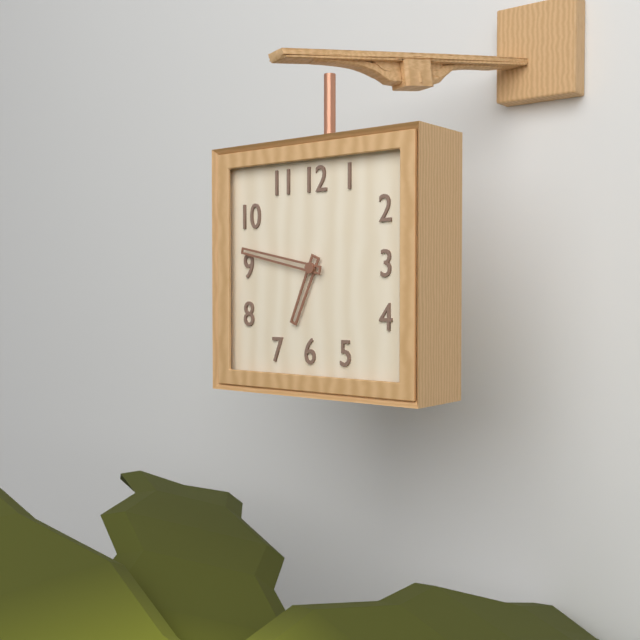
6:47
